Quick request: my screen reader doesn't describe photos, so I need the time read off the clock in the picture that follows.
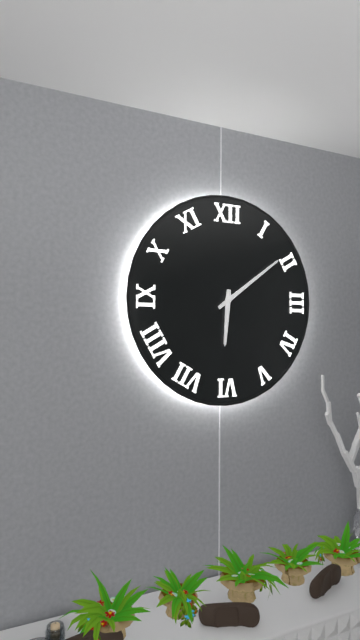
6:09
